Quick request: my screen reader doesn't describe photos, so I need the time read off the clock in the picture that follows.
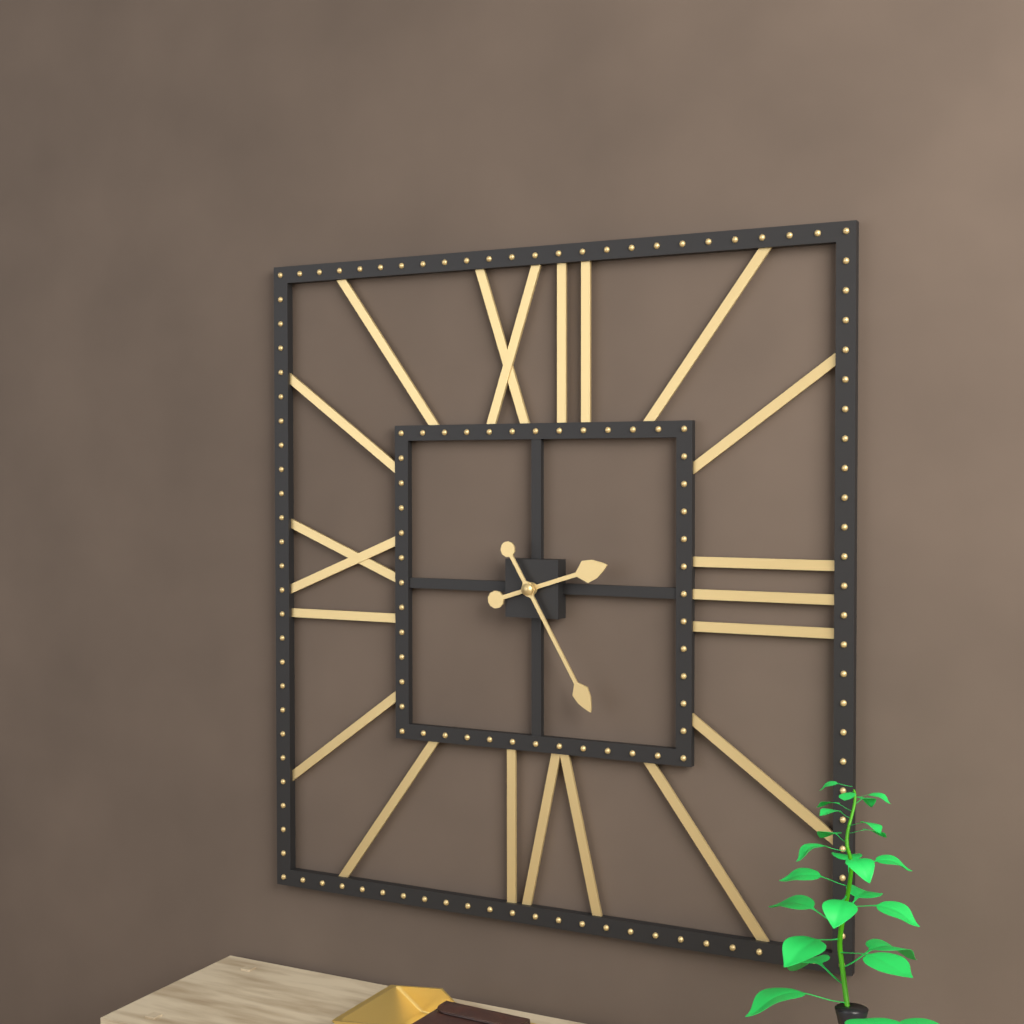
2:25
